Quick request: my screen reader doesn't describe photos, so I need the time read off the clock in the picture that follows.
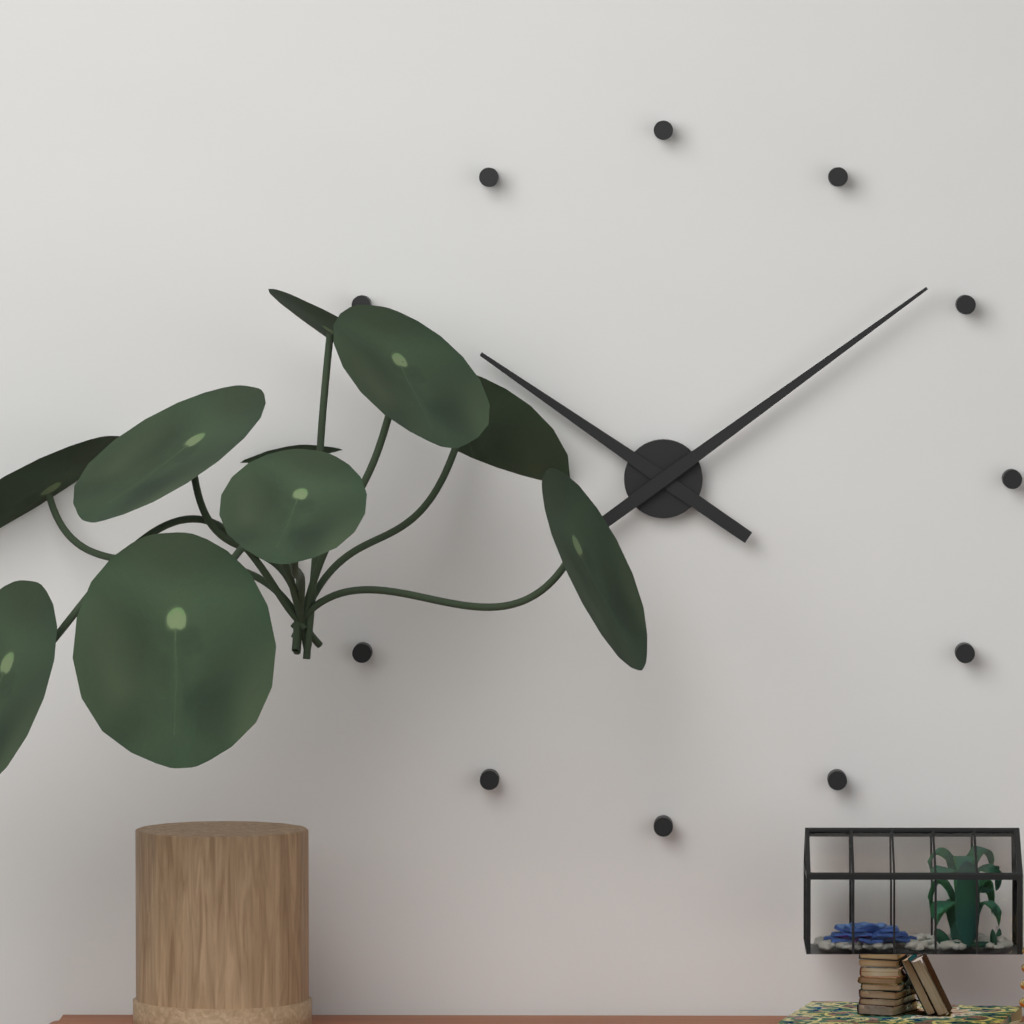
10:09
